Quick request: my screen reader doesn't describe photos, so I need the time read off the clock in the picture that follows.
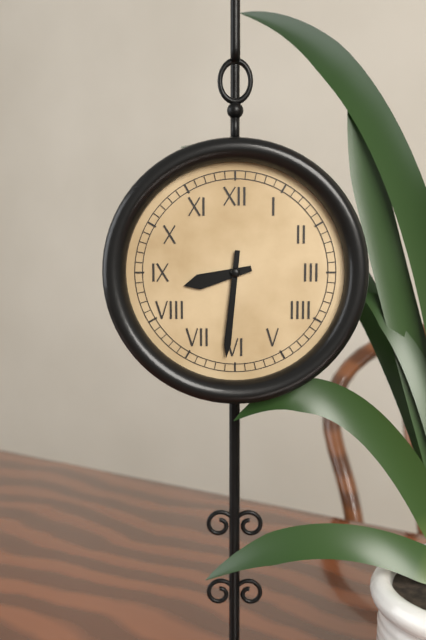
8:31
